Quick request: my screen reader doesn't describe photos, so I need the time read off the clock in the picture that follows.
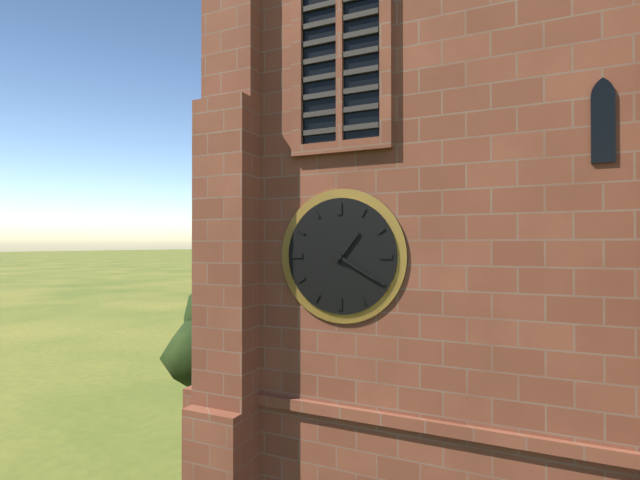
1:20
